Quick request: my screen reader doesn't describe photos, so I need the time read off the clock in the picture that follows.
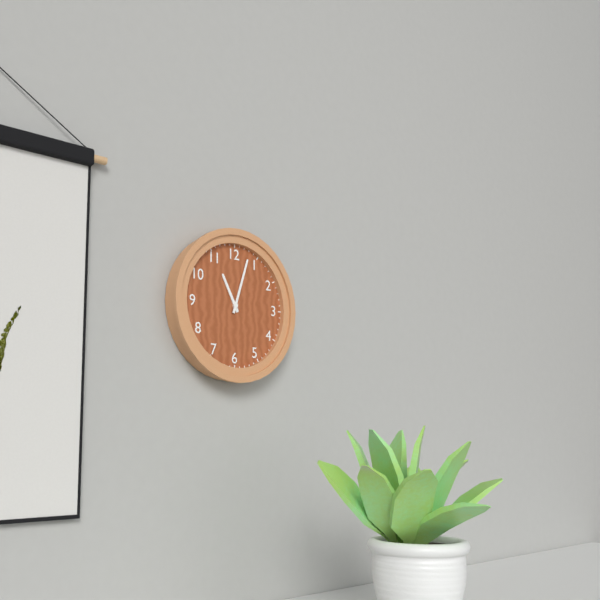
11:03
